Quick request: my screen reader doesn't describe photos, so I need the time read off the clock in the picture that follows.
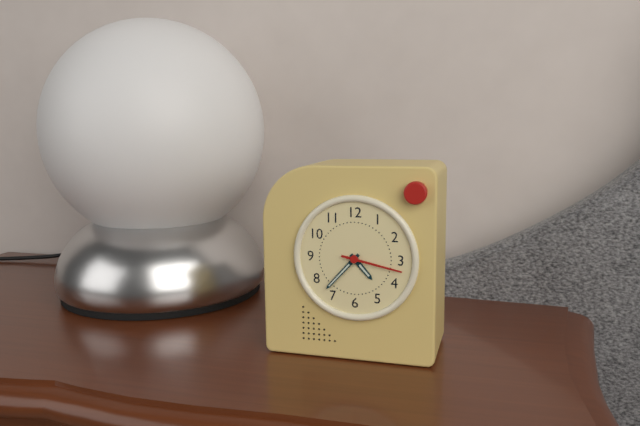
4:37:17
